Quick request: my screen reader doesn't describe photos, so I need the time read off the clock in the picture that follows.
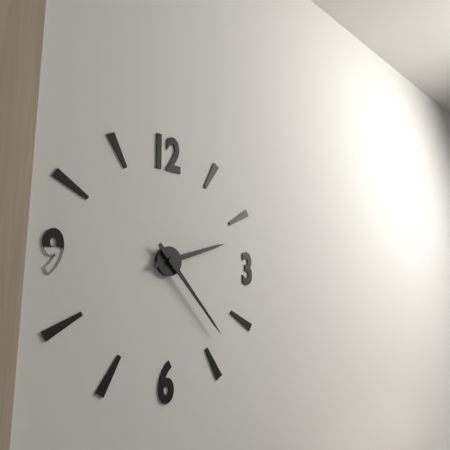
2:23
